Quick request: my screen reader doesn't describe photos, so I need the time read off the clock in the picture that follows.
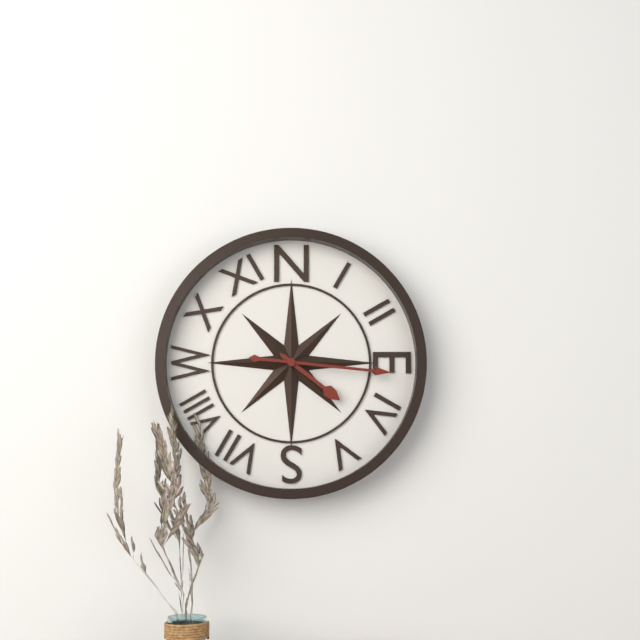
4:16
